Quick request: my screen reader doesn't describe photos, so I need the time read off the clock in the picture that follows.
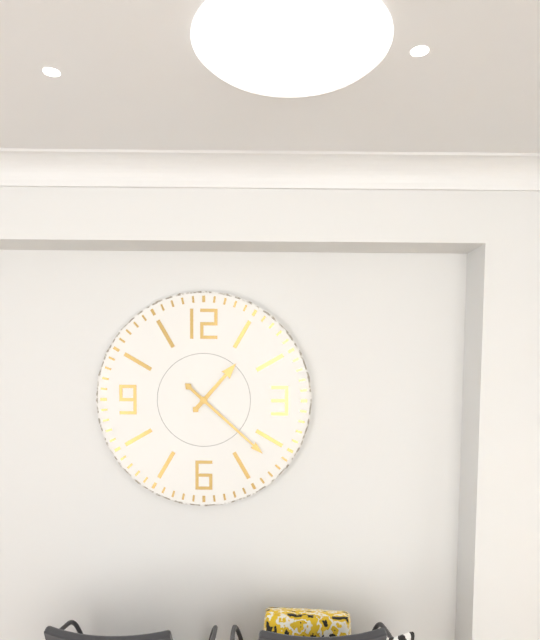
1:22
